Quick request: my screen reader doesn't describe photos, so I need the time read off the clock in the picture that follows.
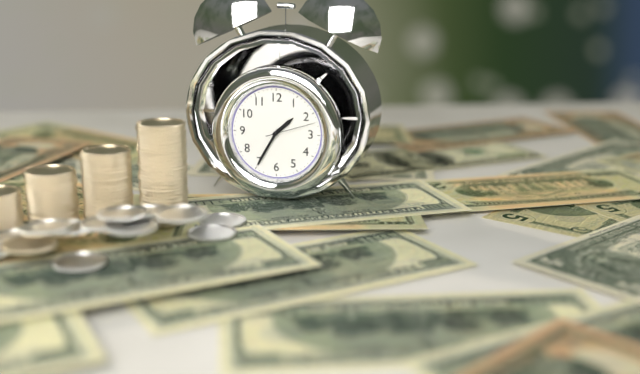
1:35:12
